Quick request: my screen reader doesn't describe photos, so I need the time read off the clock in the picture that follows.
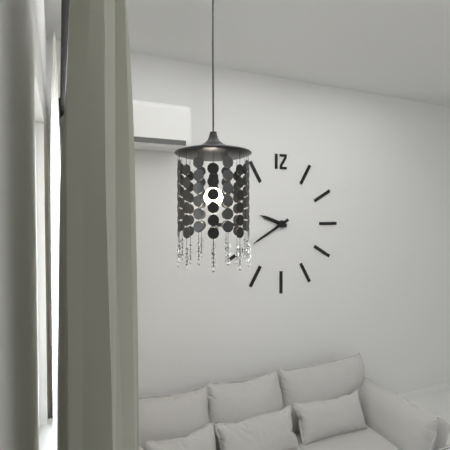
9:40
